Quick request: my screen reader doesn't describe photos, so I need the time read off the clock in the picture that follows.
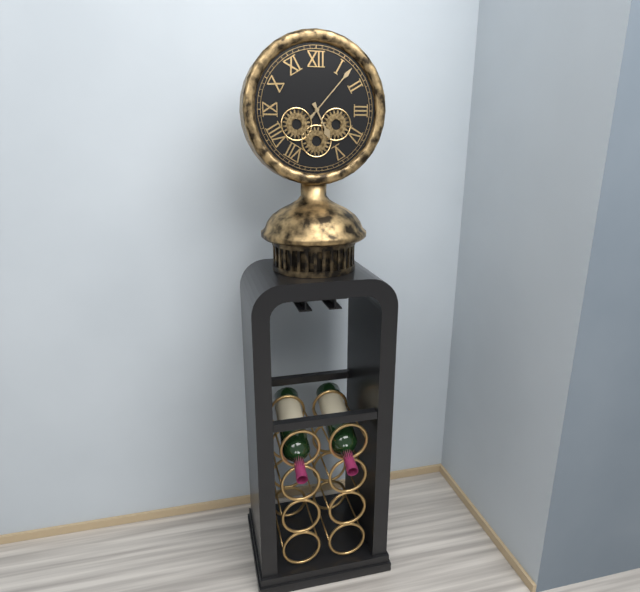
5:07
